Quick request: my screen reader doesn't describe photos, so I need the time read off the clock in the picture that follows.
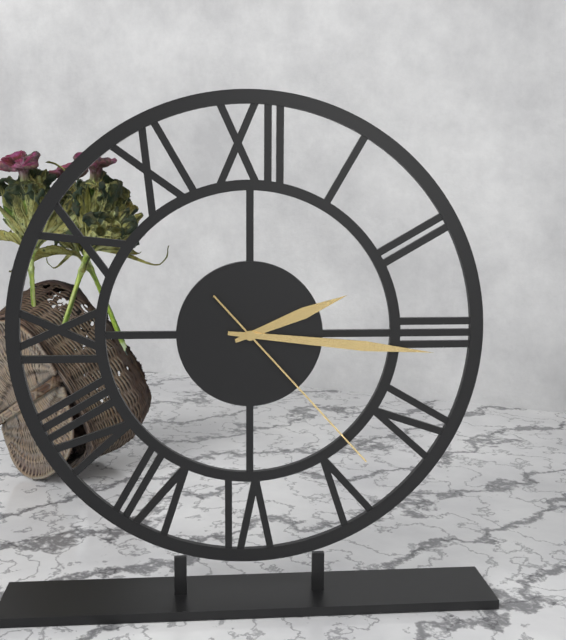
2:16:23
